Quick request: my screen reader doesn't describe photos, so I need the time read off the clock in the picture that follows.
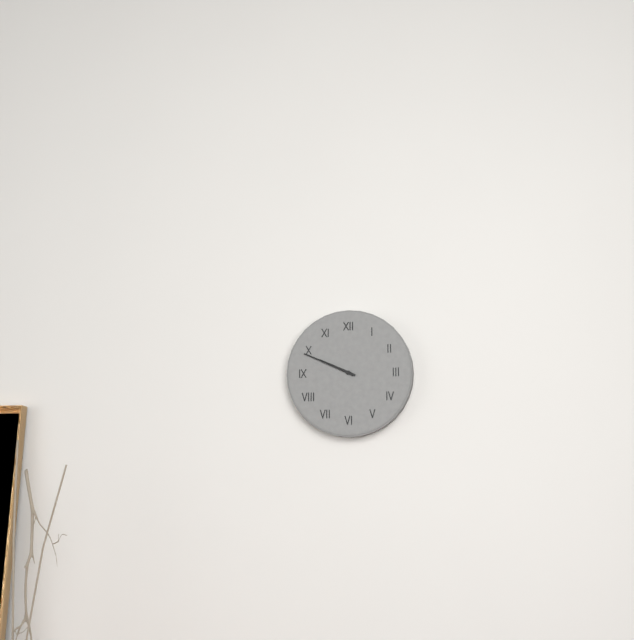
9:49
